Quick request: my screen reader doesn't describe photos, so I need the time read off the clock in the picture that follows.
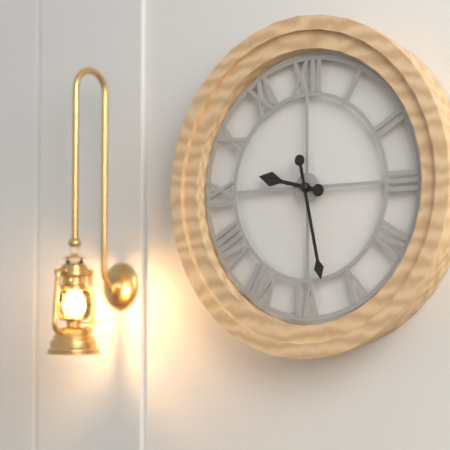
9:28
